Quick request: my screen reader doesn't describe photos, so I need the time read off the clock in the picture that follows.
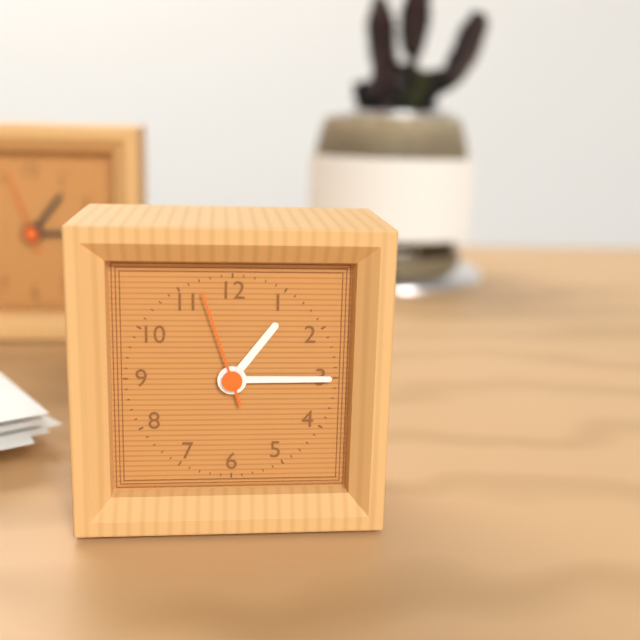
1:15:57
